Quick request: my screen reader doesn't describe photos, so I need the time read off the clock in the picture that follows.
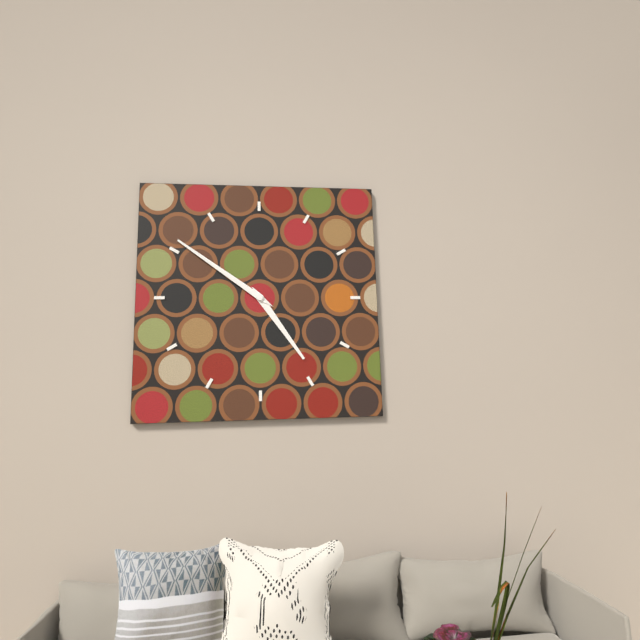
4:51
